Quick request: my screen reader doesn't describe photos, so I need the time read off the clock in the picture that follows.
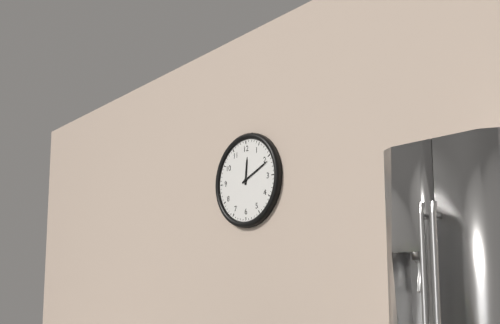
12:11
